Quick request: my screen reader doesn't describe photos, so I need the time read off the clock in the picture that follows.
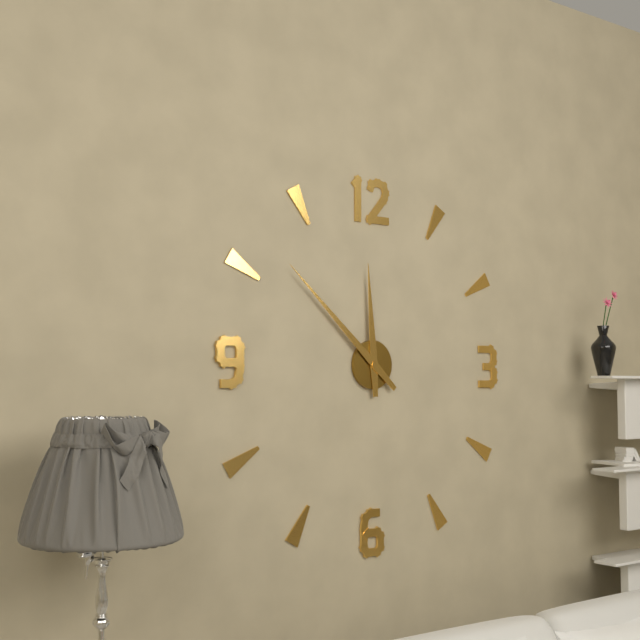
11:52
